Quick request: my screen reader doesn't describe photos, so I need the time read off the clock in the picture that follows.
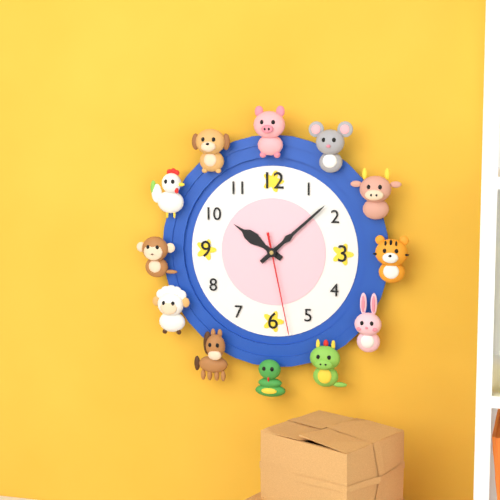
10:08:28
